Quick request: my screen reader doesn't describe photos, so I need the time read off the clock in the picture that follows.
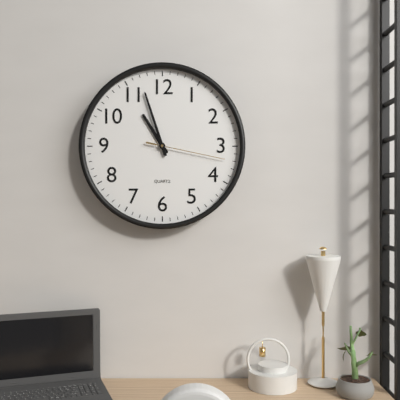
10:57:17
